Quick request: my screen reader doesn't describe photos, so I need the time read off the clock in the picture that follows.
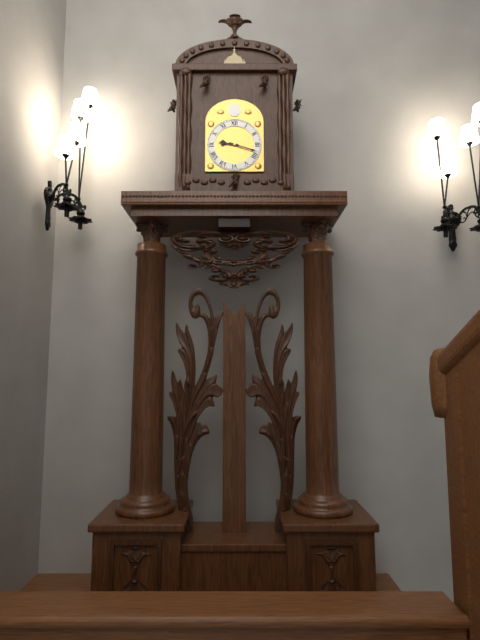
9:18
